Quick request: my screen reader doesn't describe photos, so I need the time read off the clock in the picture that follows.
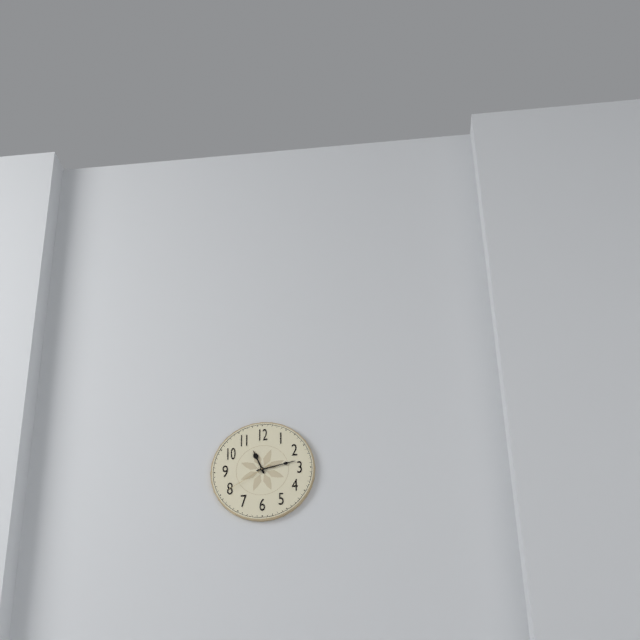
11:13
